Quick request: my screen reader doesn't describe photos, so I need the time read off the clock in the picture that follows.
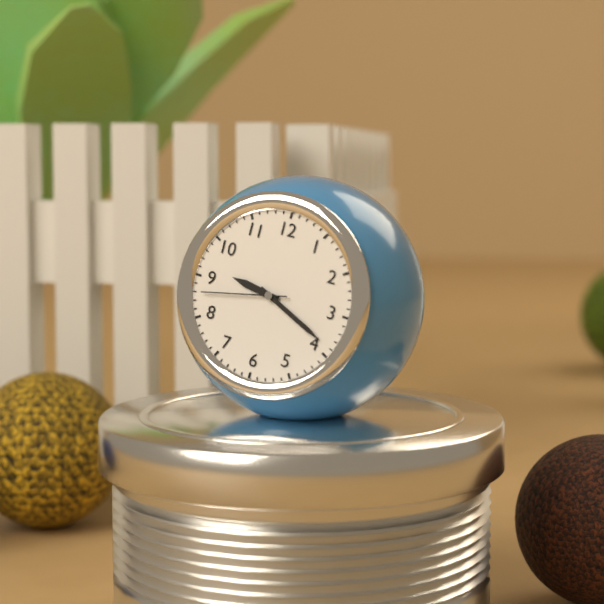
9:19:43
